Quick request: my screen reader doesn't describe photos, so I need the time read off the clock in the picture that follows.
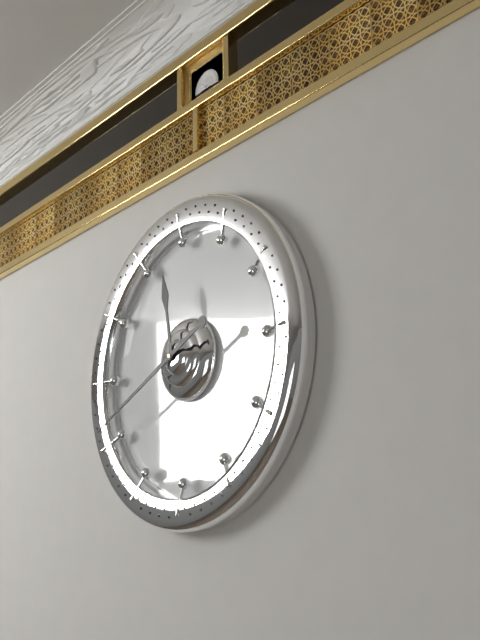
11:41
